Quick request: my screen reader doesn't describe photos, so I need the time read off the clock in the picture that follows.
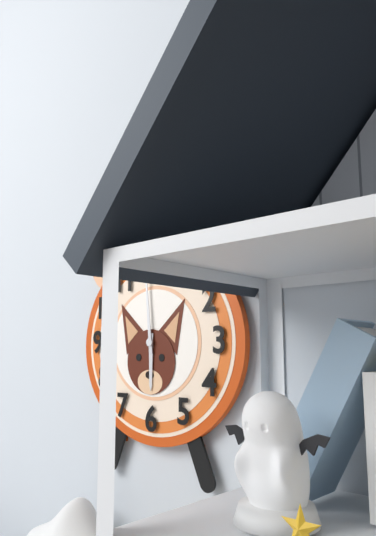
5:59
